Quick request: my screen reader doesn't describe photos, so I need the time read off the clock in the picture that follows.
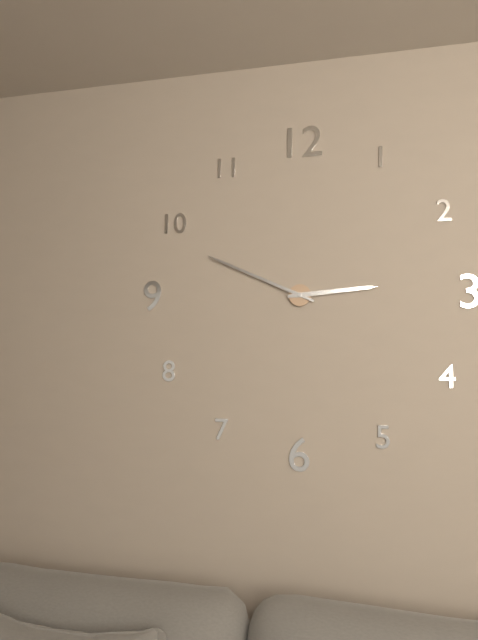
2:49
